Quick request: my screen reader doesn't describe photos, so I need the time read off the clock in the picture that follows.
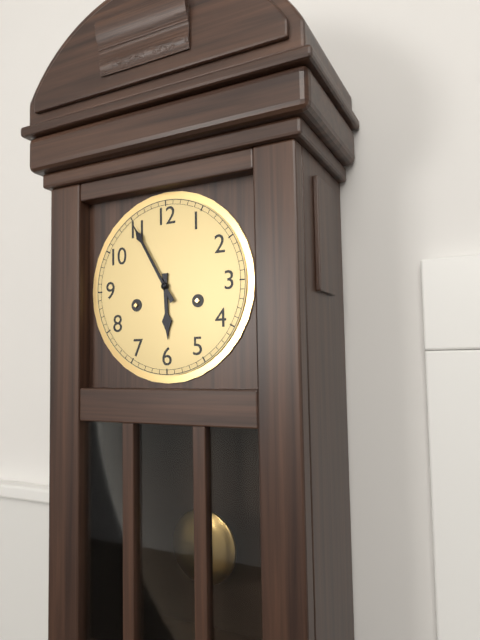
5:55
